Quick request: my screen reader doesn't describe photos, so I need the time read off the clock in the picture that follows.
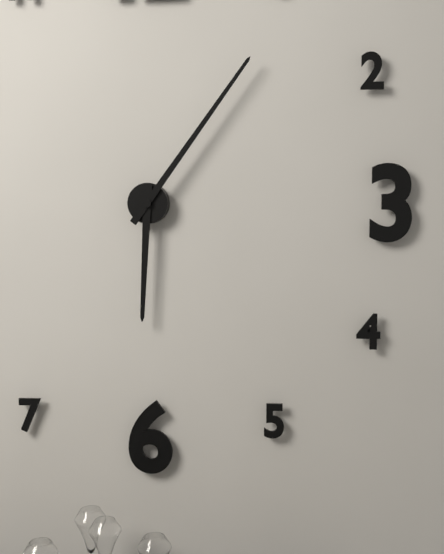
6:06
